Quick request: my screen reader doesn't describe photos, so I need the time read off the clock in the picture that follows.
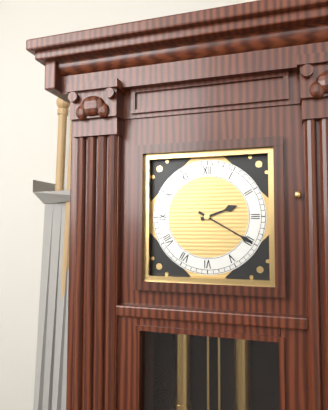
2:20
